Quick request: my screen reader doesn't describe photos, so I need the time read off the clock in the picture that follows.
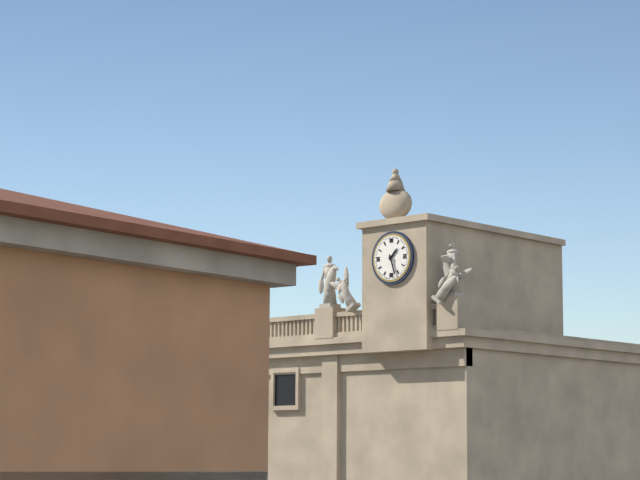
1:27
